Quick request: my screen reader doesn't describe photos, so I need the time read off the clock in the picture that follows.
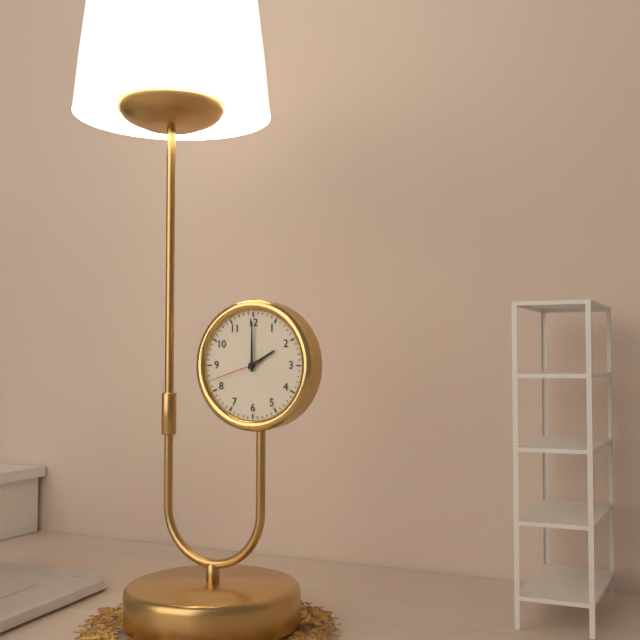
2:00:42
